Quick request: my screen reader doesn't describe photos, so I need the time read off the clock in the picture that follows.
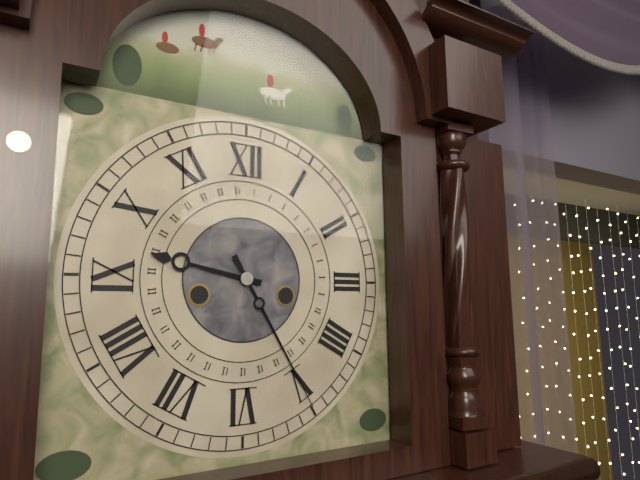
9:25
